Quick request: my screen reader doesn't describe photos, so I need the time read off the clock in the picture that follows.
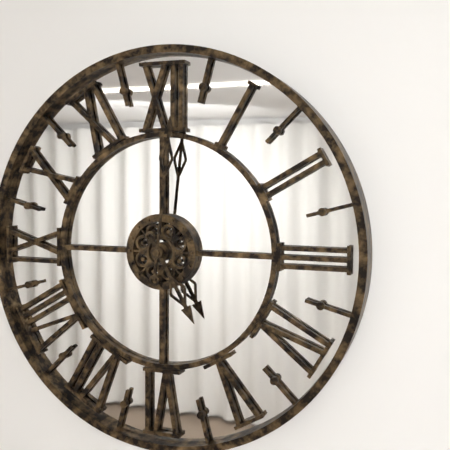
5:01
